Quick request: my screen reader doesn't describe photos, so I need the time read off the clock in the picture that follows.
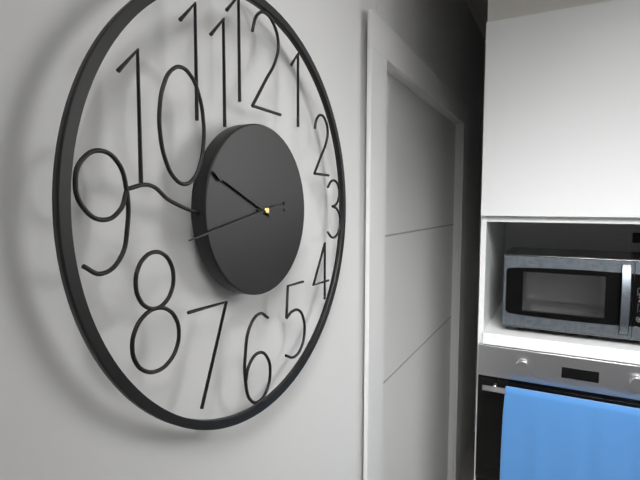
2:49:43
